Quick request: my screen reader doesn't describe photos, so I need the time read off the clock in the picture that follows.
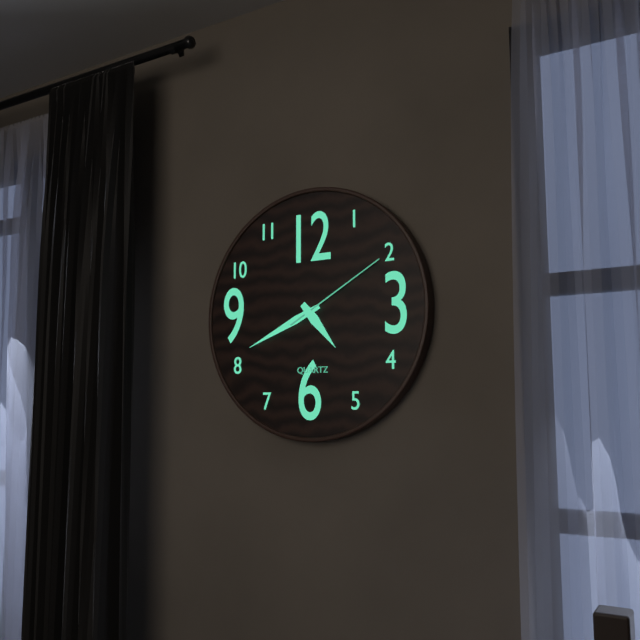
4:41:10
